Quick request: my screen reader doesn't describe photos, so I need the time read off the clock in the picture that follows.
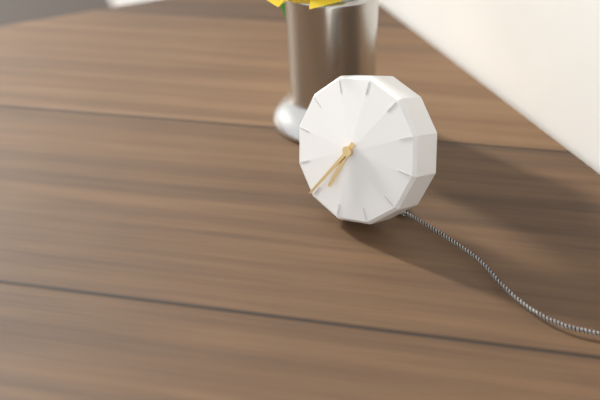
6:35
